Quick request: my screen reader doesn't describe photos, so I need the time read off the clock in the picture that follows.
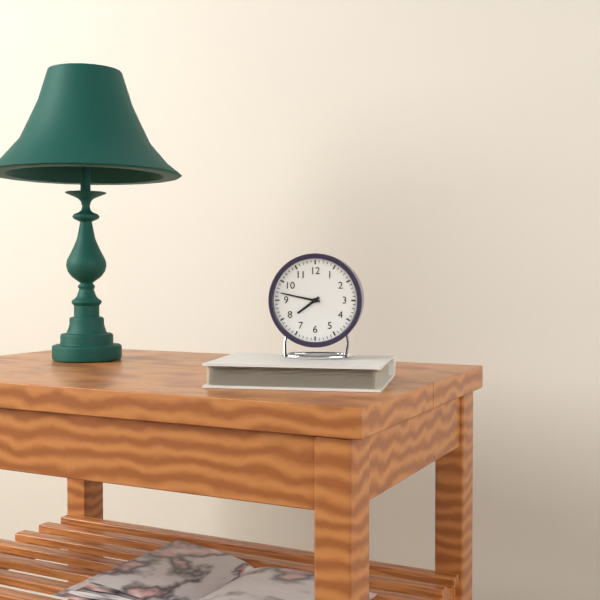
7:47
